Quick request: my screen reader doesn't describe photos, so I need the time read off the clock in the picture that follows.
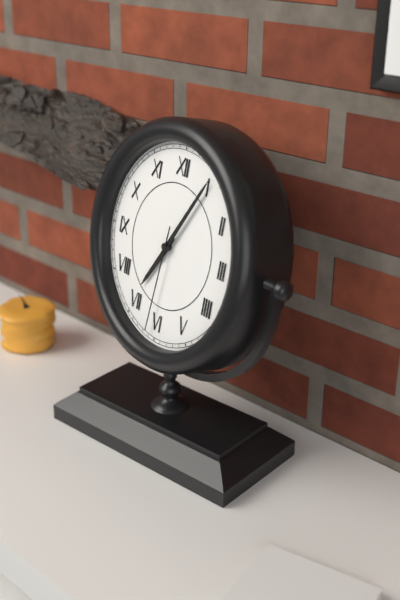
7:05:31
